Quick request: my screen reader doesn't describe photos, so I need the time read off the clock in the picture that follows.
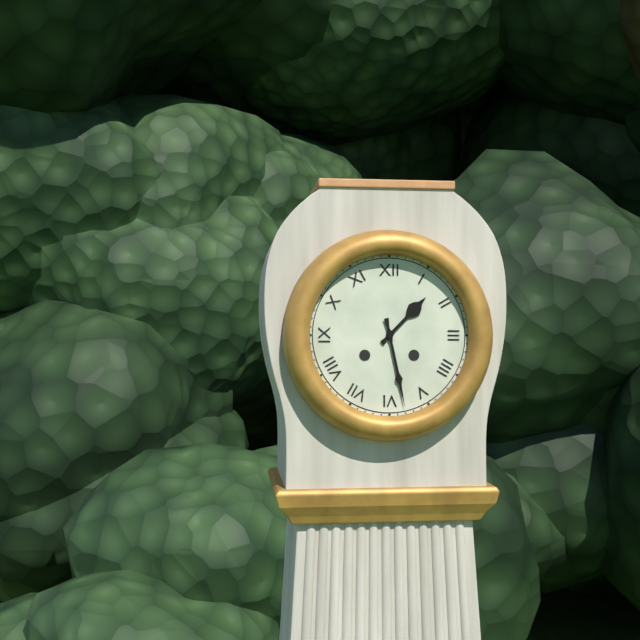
1:28
